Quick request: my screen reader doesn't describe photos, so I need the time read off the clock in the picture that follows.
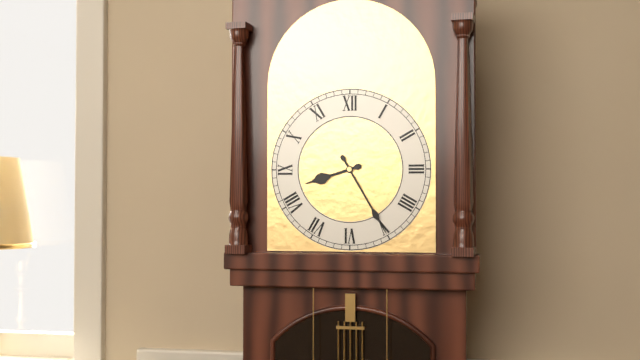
8:25
